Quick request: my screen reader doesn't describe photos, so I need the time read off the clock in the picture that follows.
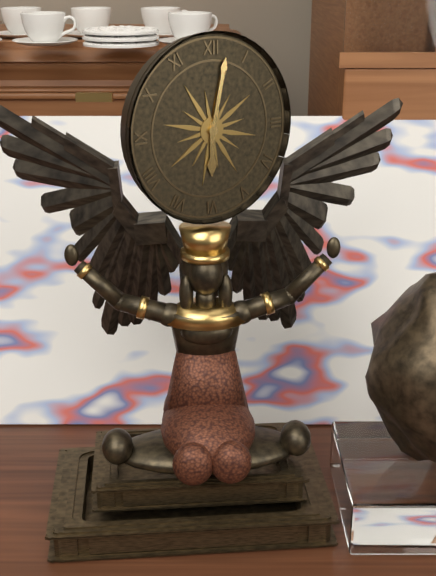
6:02
